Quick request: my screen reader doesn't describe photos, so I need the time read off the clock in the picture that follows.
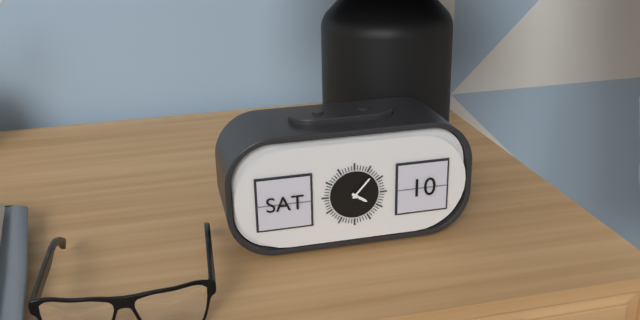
4:07
